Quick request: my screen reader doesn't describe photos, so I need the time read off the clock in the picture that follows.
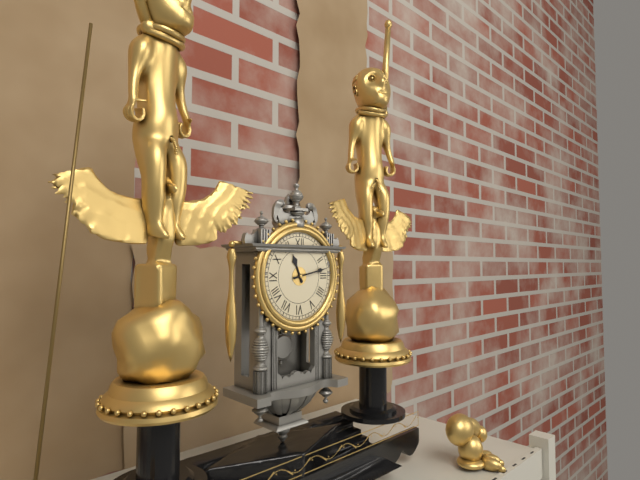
11:13
